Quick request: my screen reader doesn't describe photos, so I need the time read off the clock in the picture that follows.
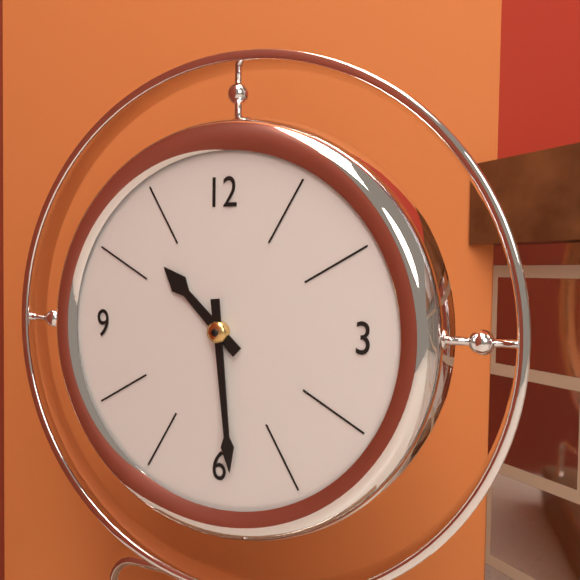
10:29
